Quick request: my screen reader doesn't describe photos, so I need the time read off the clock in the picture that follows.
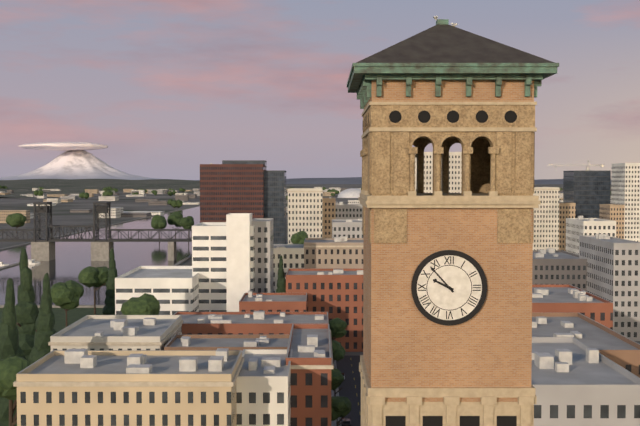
9:53
